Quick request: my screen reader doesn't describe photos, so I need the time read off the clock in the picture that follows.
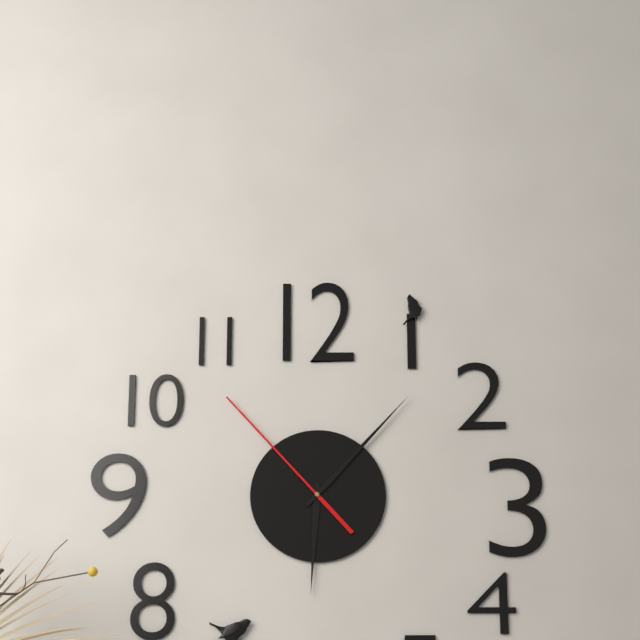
6:07:53
